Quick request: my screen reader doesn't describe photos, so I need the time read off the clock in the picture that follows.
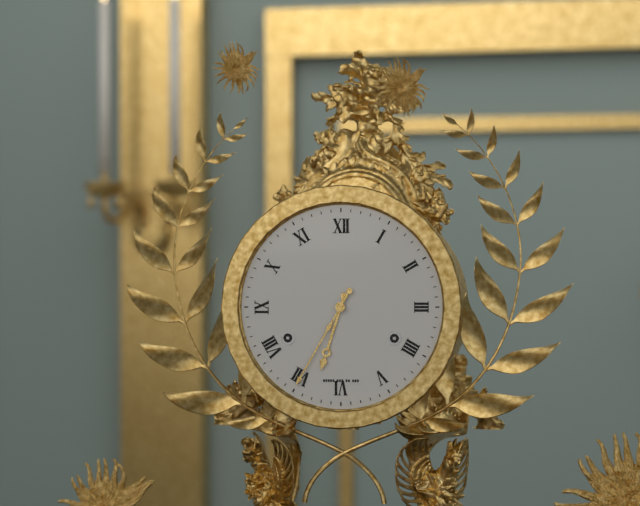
6:35
